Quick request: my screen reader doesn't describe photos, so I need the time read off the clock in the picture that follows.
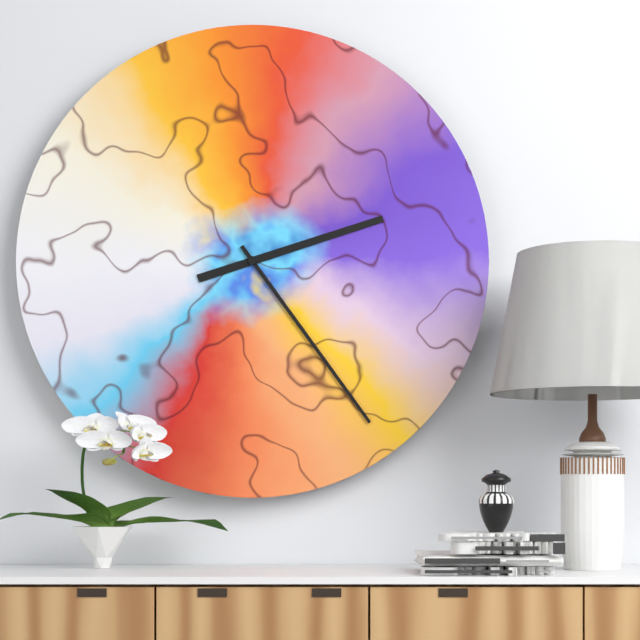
2:24
